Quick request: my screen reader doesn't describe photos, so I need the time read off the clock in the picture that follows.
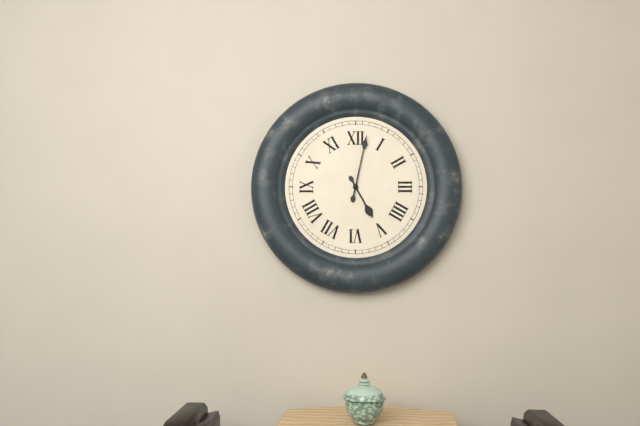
5:02
